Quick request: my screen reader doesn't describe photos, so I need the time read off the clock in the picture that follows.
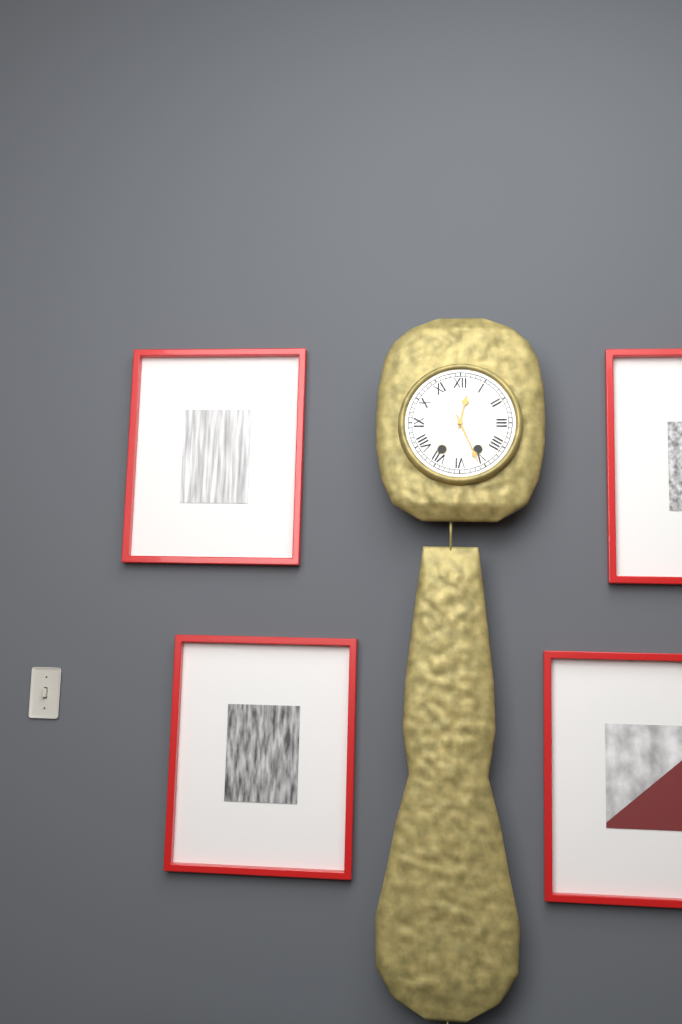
12:26
